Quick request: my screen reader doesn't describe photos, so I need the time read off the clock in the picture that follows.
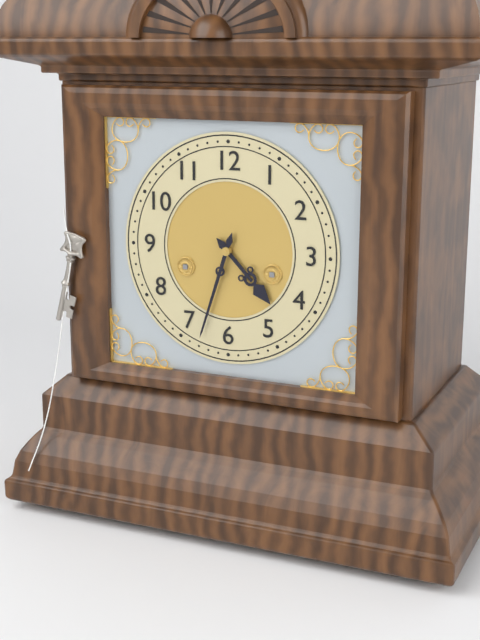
4:33
